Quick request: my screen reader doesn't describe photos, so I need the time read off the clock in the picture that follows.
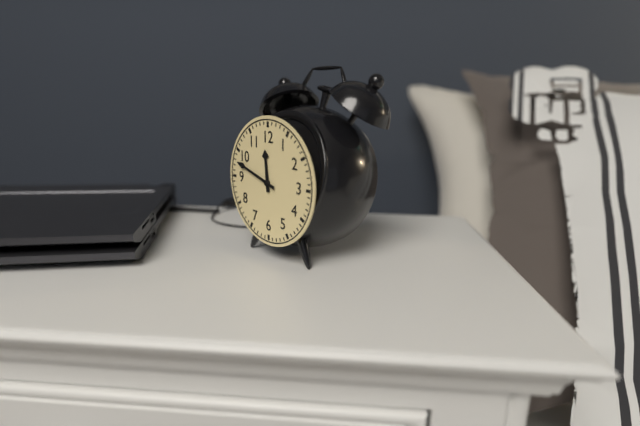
11:48
